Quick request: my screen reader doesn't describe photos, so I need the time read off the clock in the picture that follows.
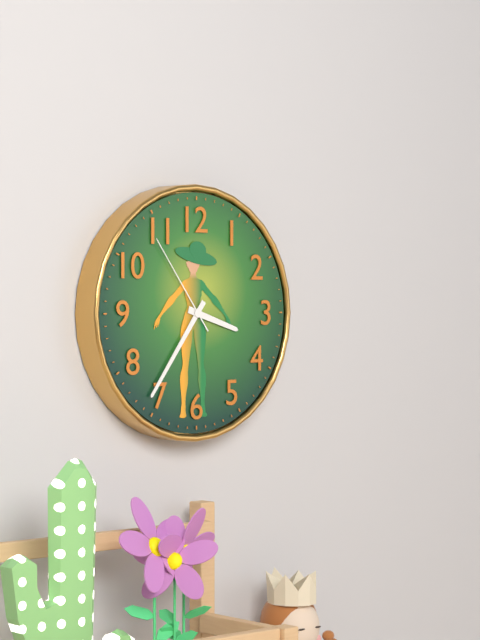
3:36:54
